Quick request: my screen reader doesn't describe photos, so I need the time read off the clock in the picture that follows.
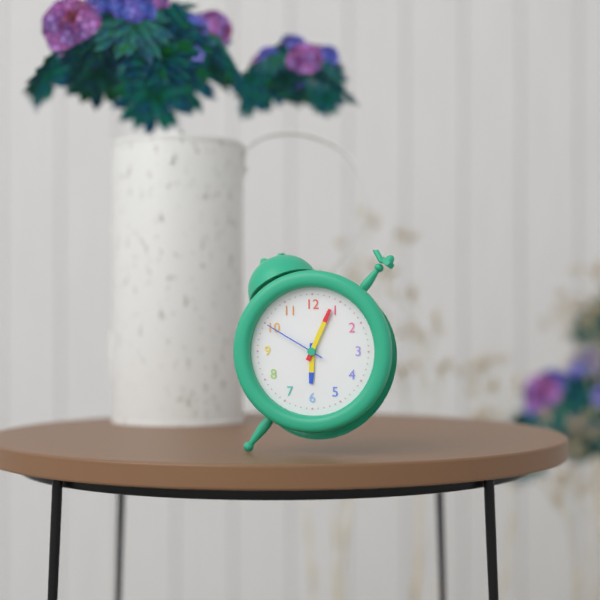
6:04:50
